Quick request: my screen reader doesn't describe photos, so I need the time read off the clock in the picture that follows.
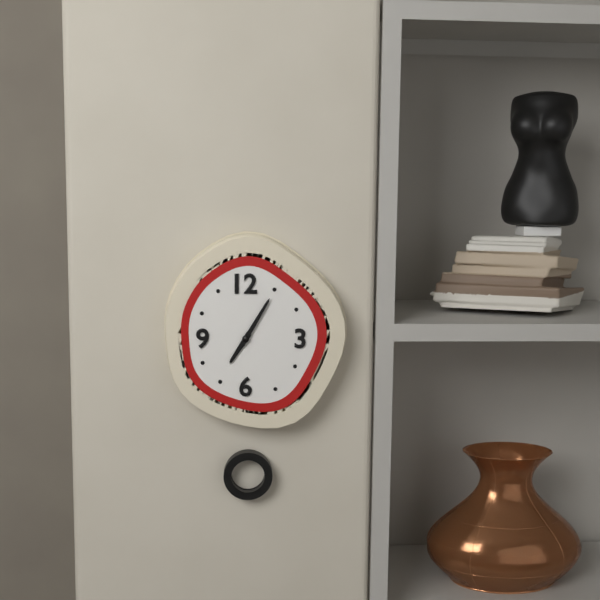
7:05
